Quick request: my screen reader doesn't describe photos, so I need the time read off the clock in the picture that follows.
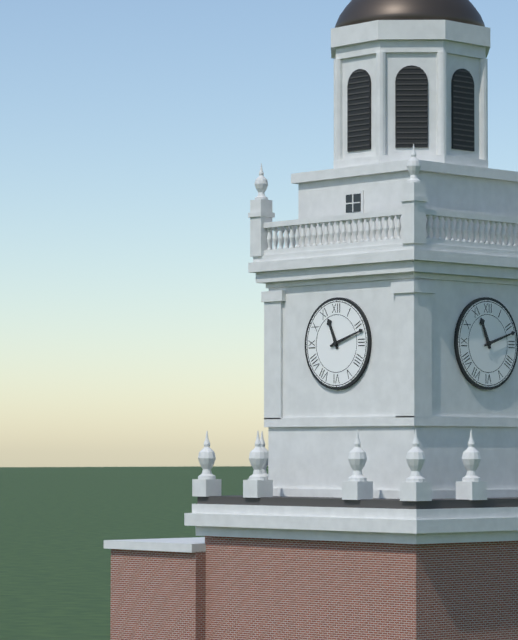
11:12
